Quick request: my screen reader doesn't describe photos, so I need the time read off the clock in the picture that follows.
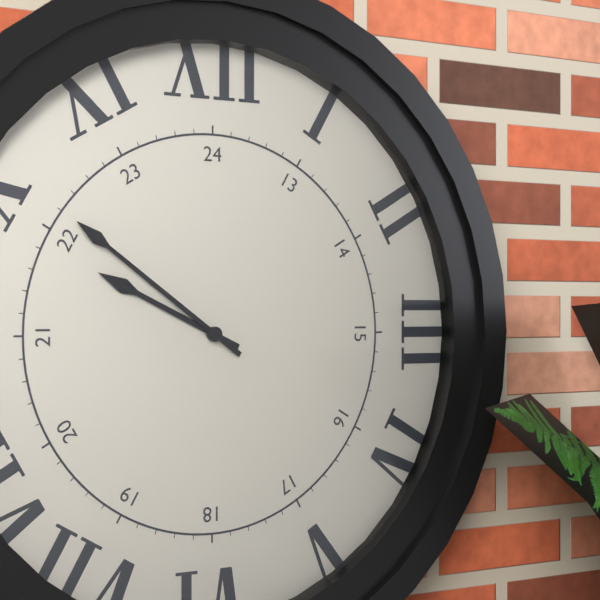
9:51
